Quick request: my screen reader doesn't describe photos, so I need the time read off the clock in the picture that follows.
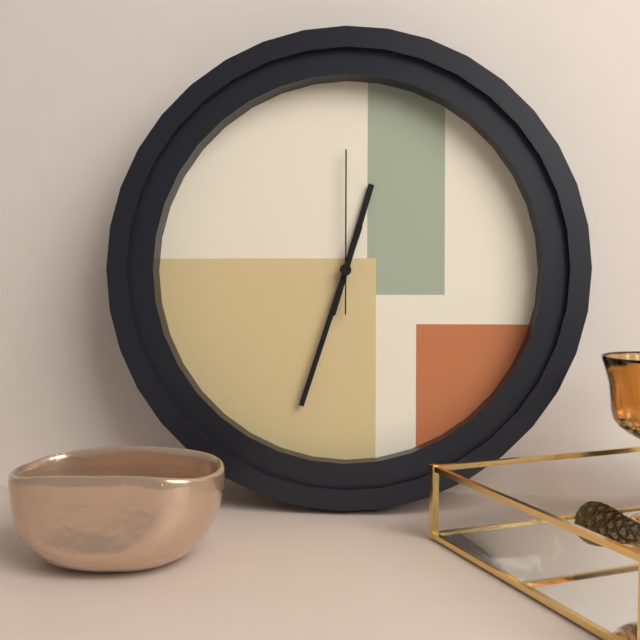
12:33:00
